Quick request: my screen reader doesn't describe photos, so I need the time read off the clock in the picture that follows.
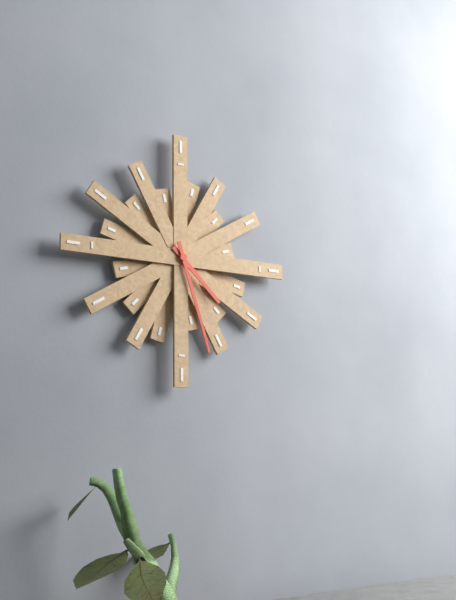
4:27
